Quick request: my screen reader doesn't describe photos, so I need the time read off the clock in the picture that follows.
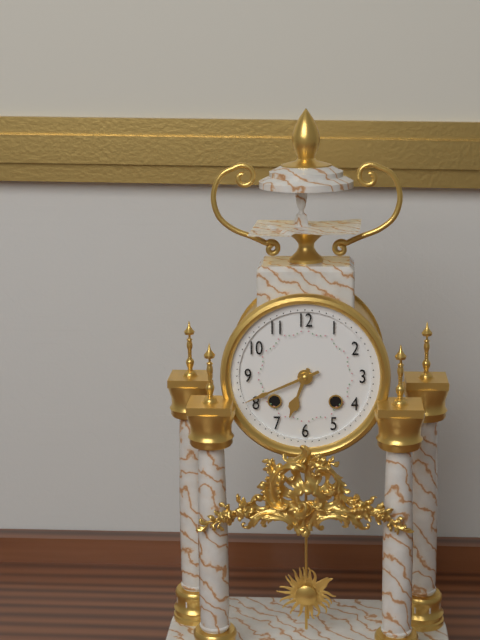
6:41
